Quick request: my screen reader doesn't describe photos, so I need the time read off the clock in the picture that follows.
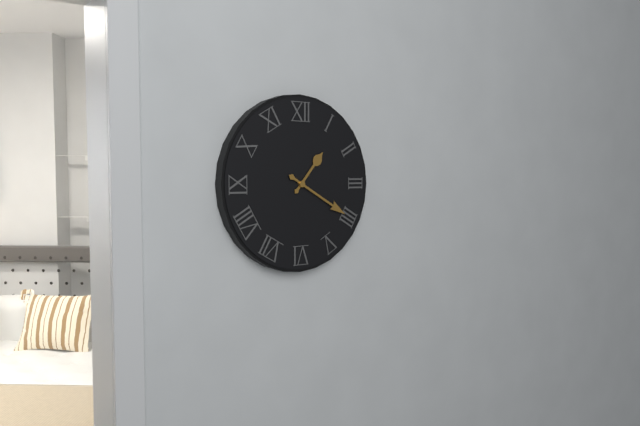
1:20
